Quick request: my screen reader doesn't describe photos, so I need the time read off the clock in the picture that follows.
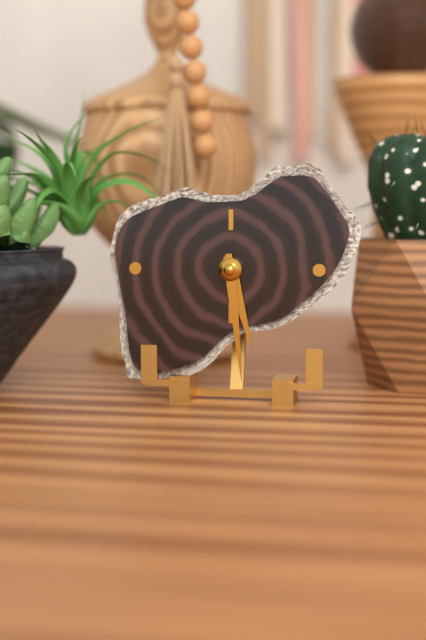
5:29
